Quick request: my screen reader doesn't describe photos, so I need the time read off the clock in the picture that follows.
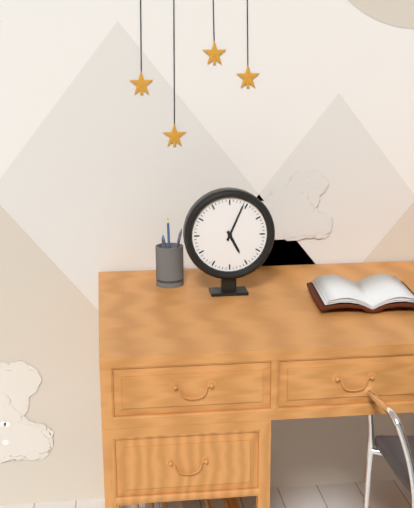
5:04
